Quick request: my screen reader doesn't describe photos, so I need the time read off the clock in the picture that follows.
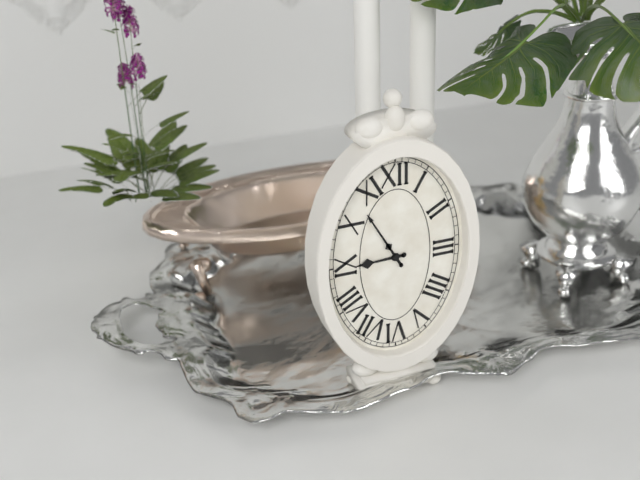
8:55
